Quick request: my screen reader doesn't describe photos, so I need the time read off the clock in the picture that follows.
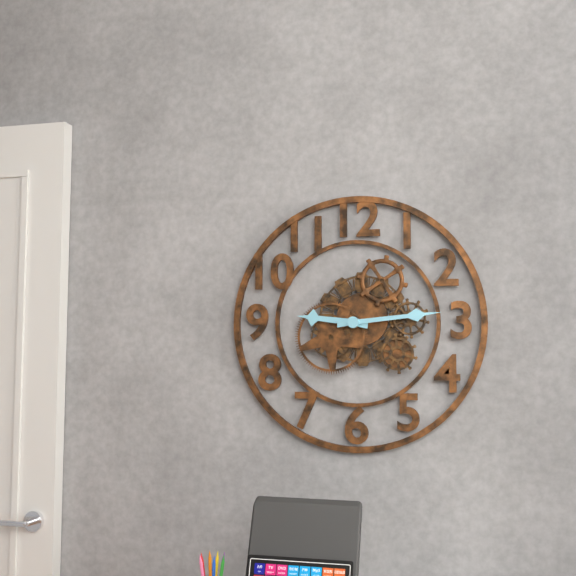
9:14
